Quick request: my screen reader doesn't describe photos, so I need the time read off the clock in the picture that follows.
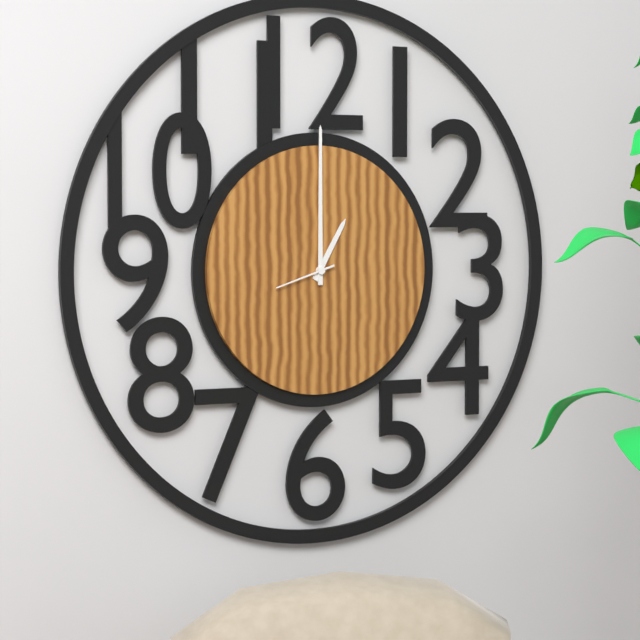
1:00:42
